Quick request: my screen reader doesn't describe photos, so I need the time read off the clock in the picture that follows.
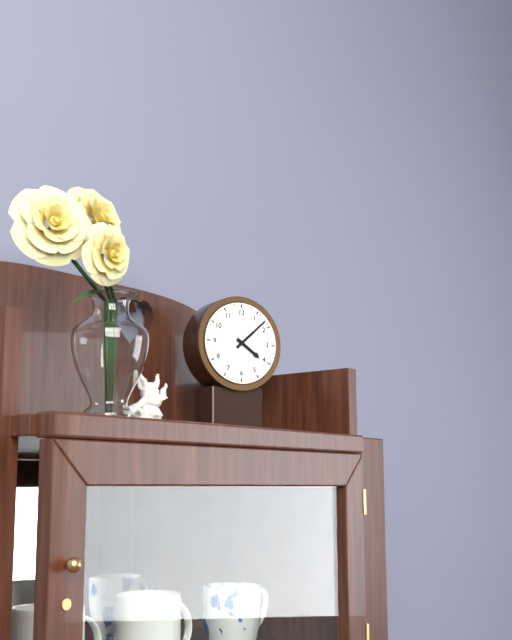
4:08
